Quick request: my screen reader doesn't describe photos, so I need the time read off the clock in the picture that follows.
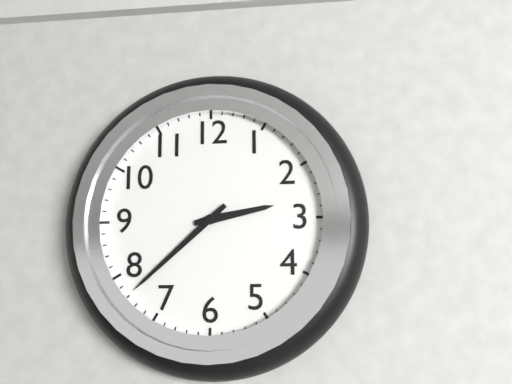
2:38
